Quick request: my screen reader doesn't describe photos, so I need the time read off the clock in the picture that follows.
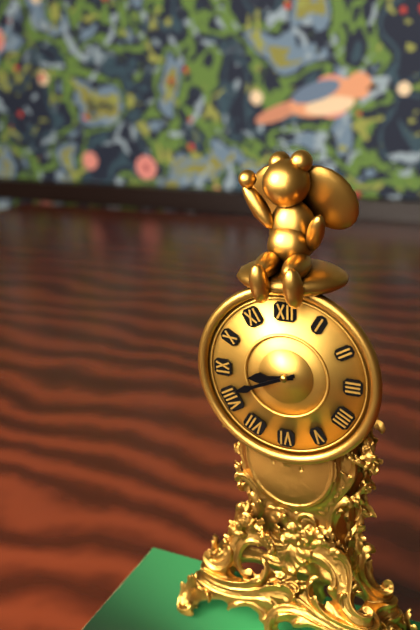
8:41
